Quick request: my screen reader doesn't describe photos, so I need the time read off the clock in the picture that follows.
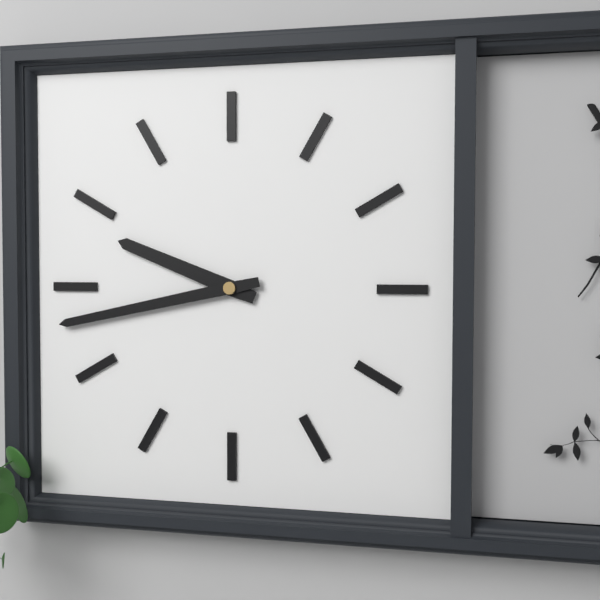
9:43
